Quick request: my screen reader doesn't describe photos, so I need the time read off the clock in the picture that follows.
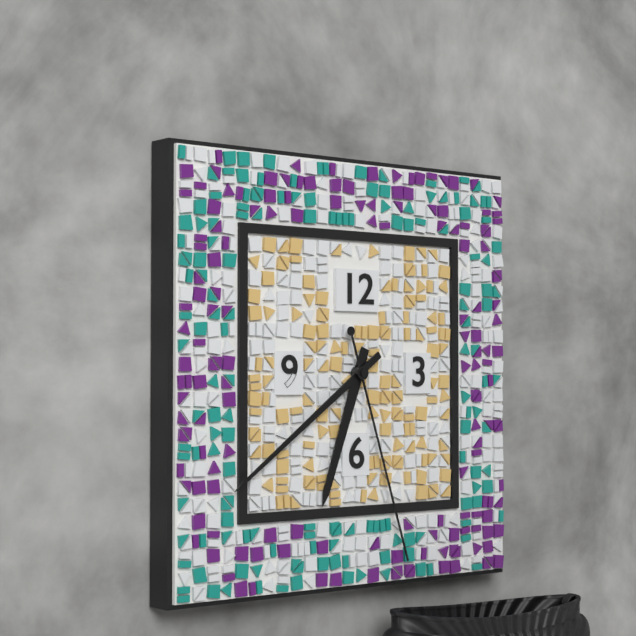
6:39:27
